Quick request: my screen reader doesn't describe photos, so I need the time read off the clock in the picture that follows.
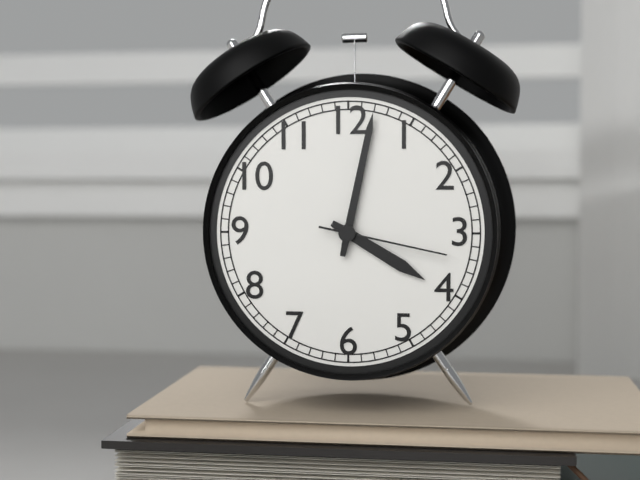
4:02:17
